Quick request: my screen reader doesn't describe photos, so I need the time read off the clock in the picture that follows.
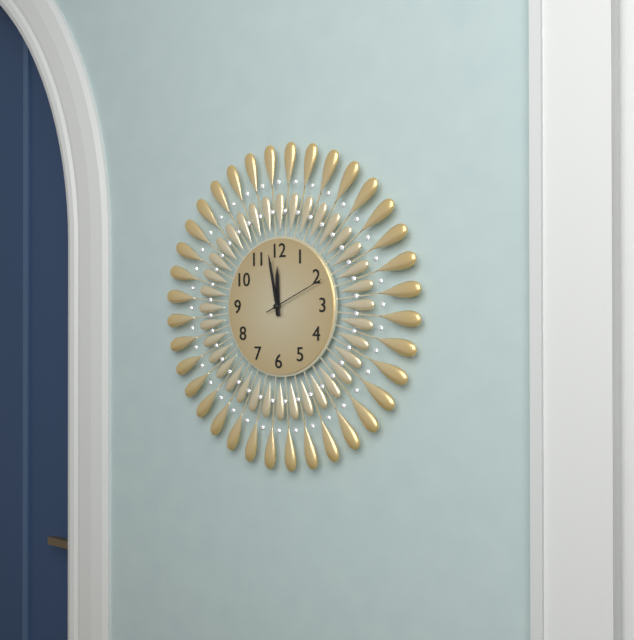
11:58:11
